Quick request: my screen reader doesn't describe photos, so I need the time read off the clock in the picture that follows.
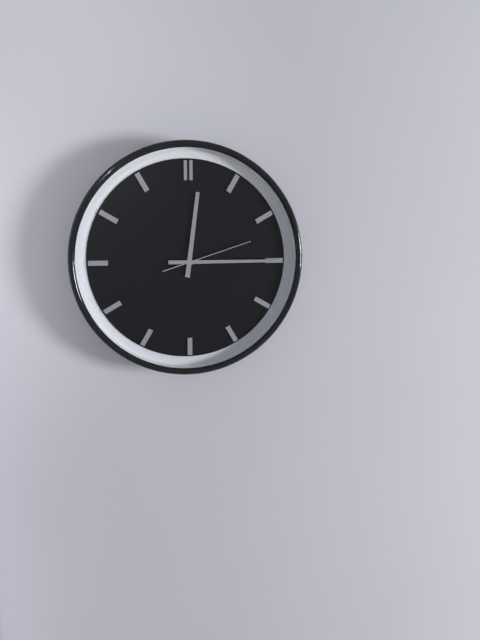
12:15:12
